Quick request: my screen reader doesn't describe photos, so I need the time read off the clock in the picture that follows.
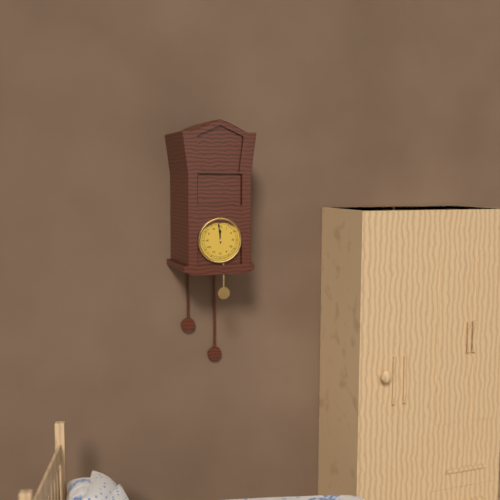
11:59
